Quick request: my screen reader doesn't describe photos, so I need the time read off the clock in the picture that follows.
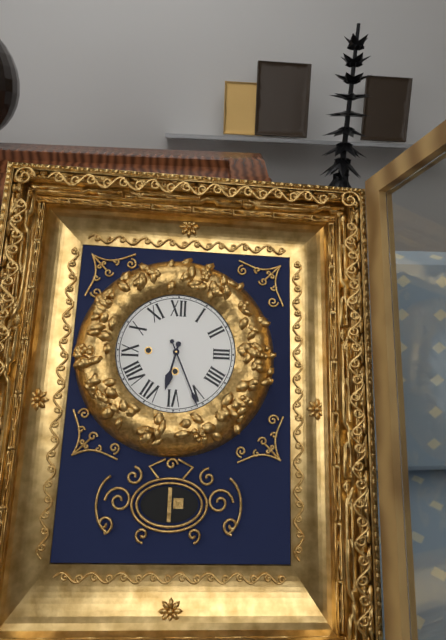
6:26
